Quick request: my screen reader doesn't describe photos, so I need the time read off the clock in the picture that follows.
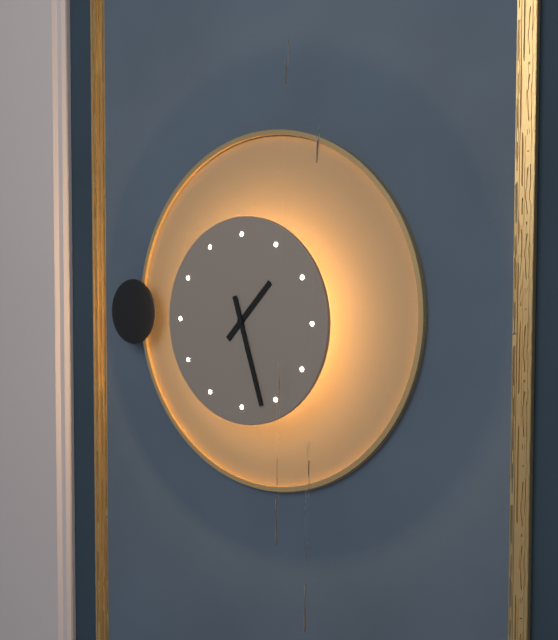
1:27
